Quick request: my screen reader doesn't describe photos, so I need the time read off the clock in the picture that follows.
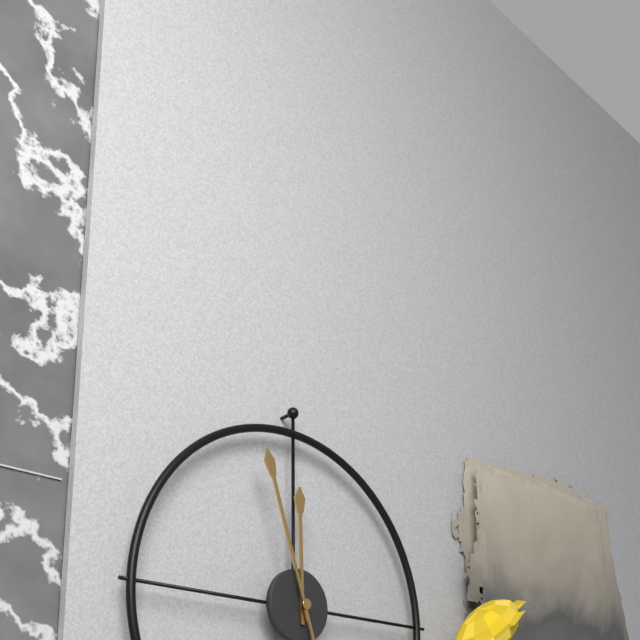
11:57
